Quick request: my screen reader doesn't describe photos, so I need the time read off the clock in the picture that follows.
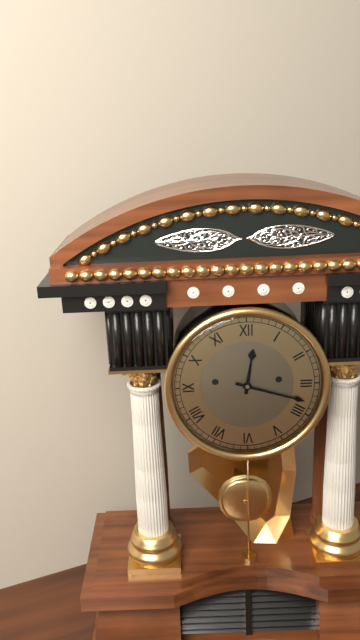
12:18
